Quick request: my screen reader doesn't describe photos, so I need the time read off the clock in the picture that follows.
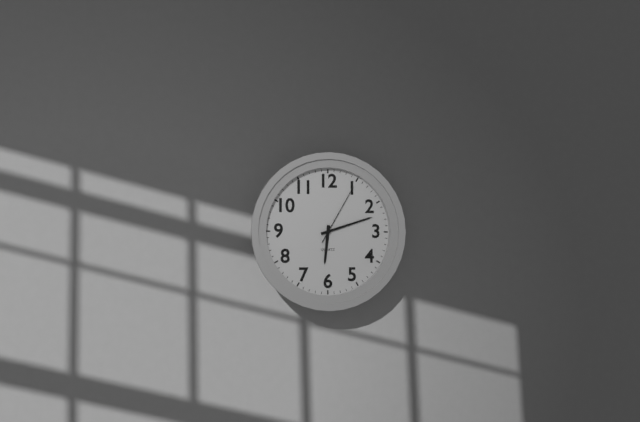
6:12:05
